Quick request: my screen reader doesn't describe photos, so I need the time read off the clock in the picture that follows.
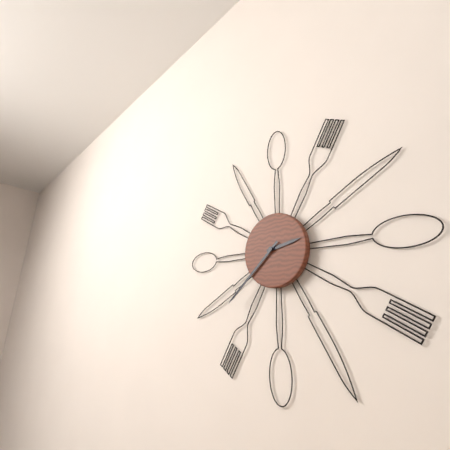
2:38
